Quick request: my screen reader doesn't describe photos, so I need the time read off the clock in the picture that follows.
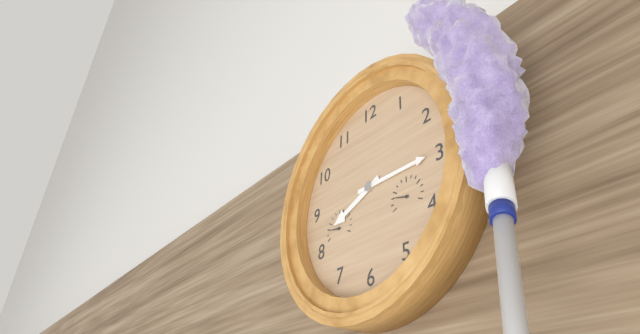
8:15
